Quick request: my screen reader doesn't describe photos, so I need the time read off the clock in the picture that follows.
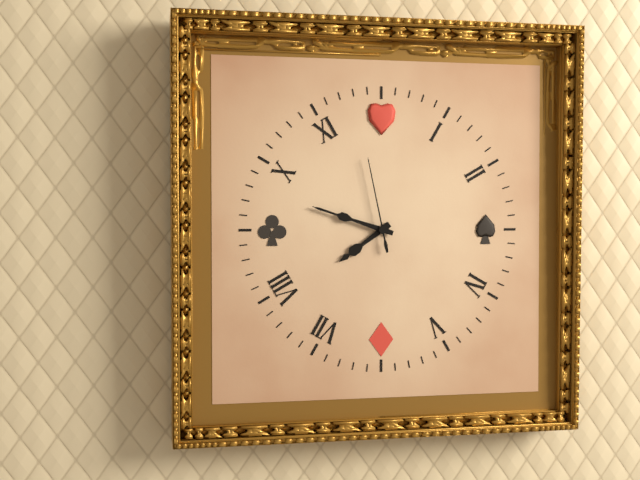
7:48:58
